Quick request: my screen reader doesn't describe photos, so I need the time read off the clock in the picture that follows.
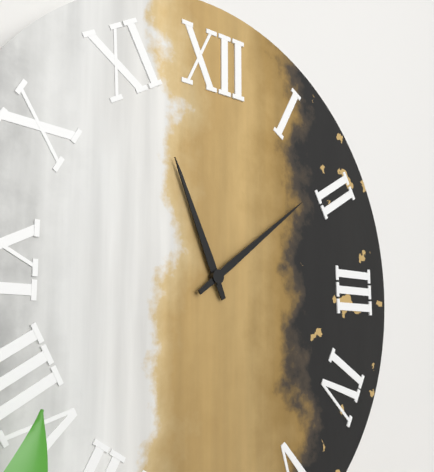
11:09
